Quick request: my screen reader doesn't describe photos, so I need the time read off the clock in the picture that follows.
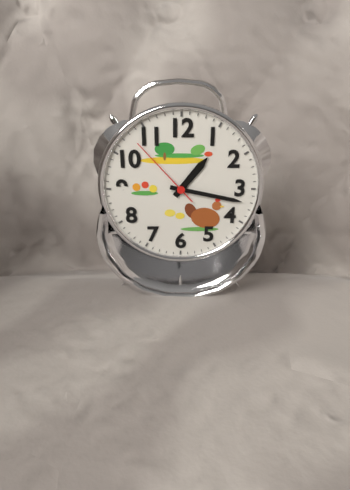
1:17:53
